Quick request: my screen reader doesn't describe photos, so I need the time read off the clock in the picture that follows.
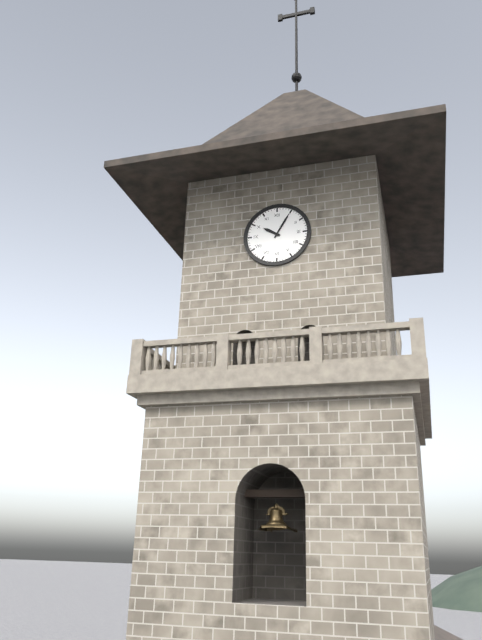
10:05
